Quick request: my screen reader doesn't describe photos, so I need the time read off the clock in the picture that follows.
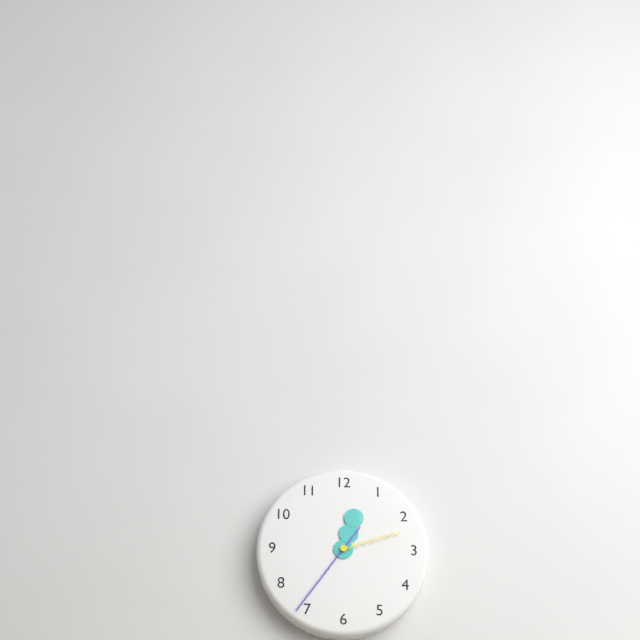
12:36:12
